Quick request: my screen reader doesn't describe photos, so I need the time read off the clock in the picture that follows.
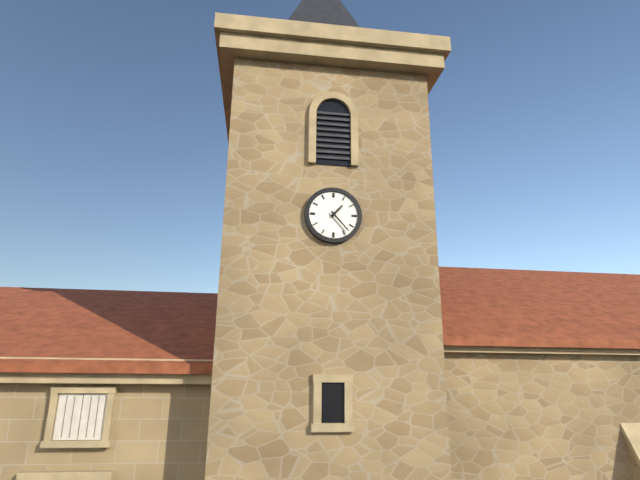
1:23
